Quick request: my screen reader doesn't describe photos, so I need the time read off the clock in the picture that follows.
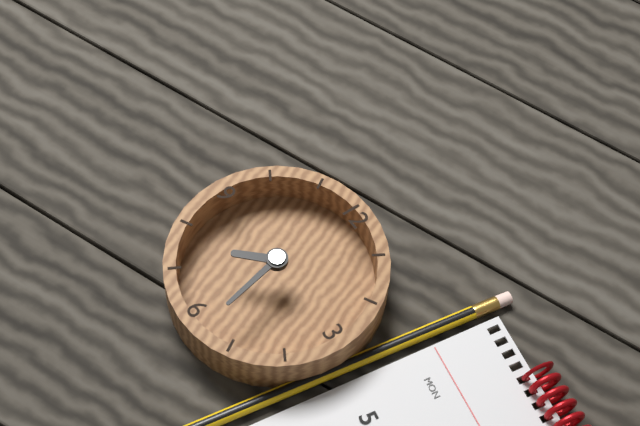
7:28
